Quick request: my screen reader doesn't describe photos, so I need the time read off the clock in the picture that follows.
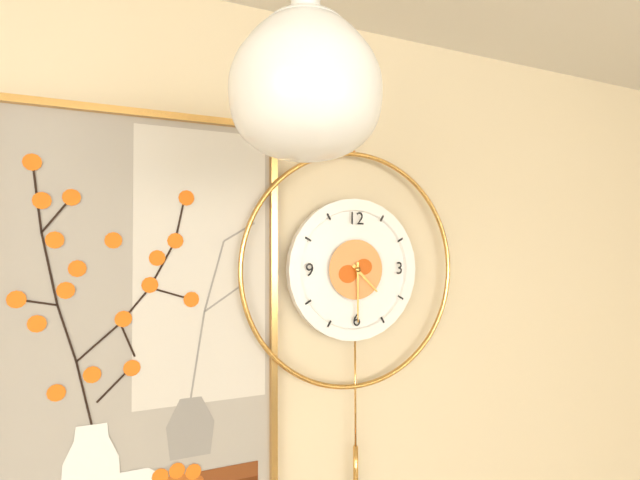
4:30
